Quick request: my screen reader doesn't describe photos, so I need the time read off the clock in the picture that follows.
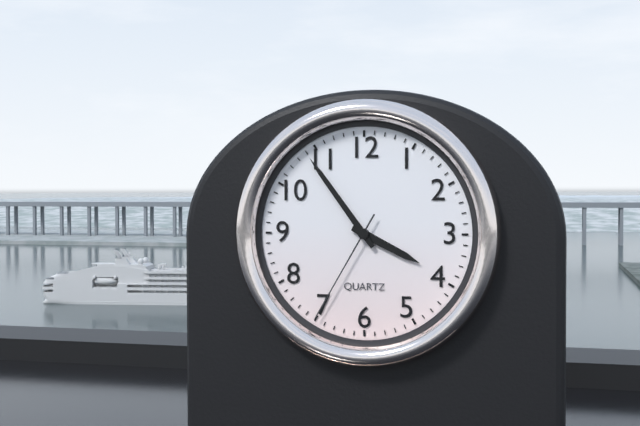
3:54:35
